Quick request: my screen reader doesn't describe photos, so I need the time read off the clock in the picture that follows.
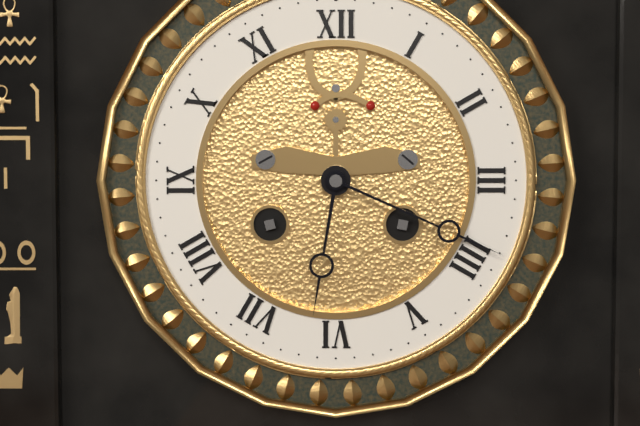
6:19
